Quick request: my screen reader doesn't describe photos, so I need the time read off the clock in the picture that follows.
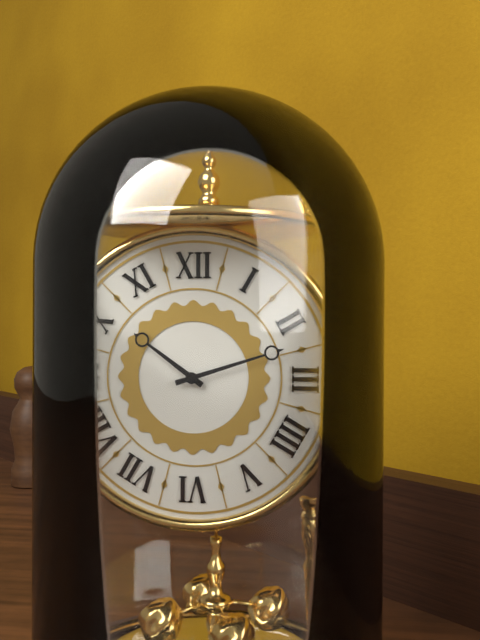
10:12
